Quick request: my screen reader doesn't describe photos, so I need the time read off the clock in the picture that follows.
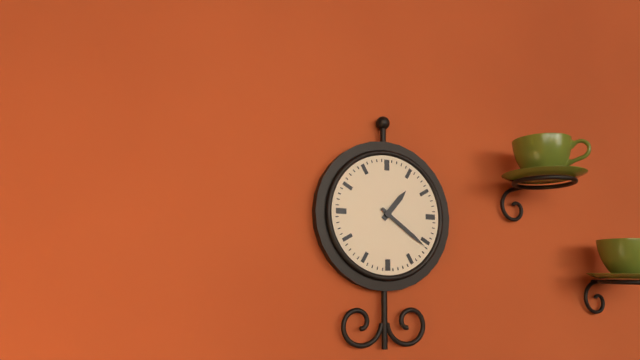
1:21
